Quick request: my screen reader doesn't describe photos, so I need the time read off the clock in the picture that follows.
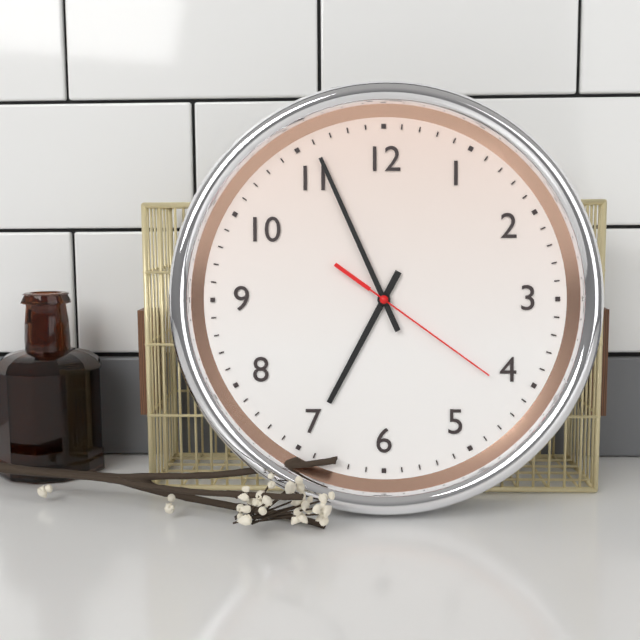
6:56:21
